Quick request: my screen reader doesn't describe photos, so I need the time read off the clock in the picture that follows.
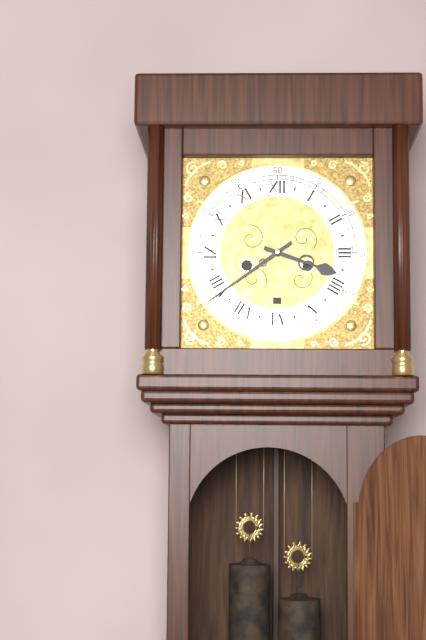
3:39
